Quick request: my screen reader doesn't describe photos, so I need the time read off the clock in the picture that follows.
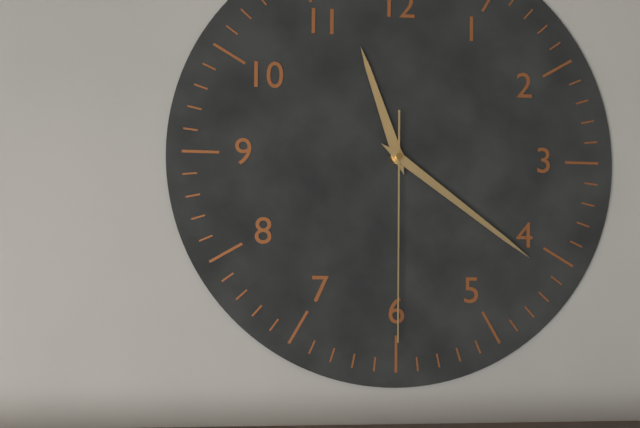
11:21:30
